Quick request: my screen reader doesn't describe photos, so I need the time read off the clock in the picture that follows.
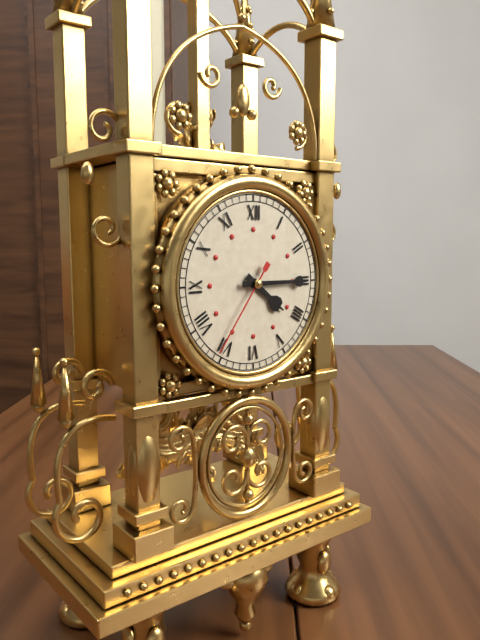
4:15:36
